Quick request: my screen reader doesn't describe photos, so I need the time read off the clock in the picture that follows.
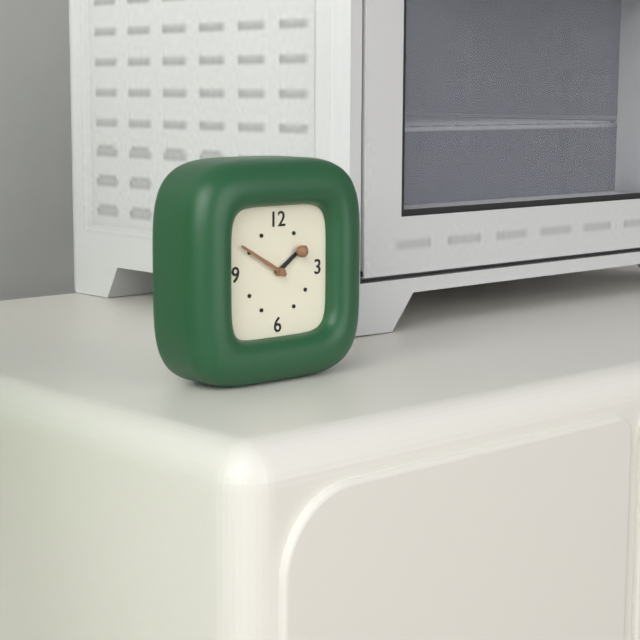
1:50
